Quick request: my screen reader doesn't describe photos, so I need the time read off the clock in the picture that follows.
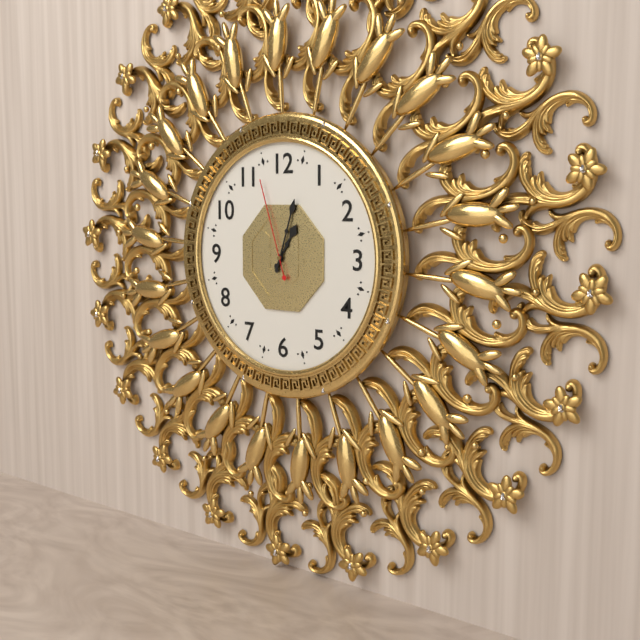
1:03:57
